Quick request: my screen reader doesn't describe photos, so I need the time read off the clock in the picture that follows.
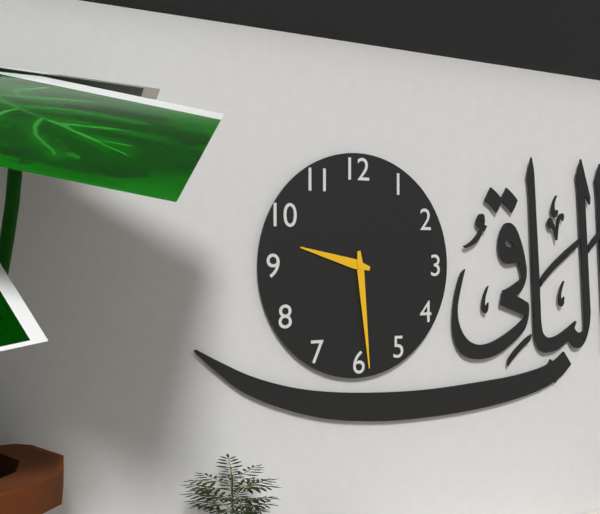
9:29
